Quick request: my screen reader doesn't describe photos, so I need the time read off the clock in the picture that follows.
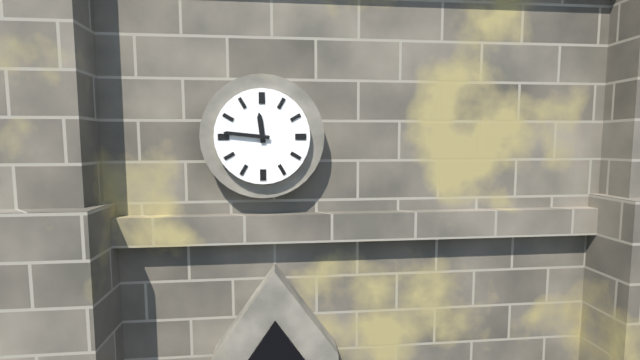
11:46
